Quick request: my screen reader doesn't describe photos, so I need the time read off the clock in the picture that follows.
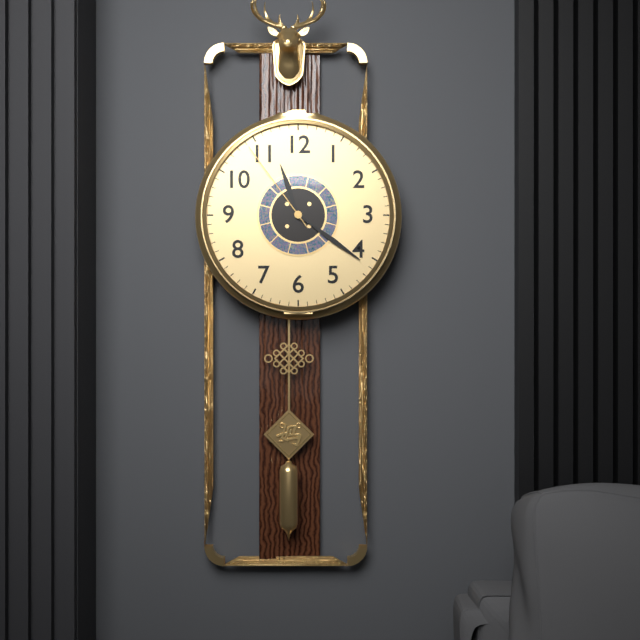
11:21:54
